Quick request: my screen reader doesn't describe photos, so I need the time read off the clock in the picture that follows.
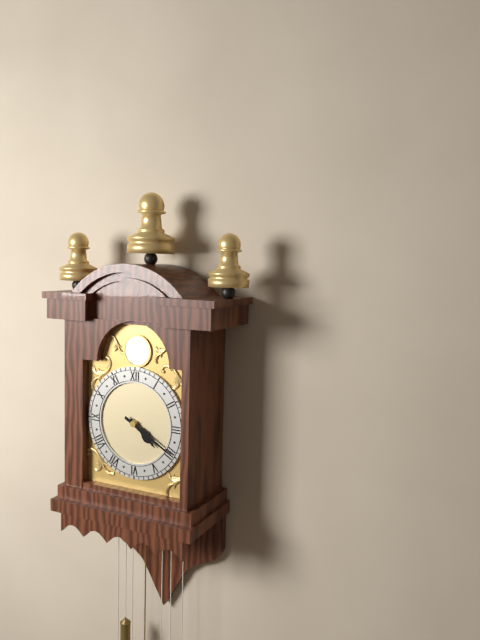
4:20
